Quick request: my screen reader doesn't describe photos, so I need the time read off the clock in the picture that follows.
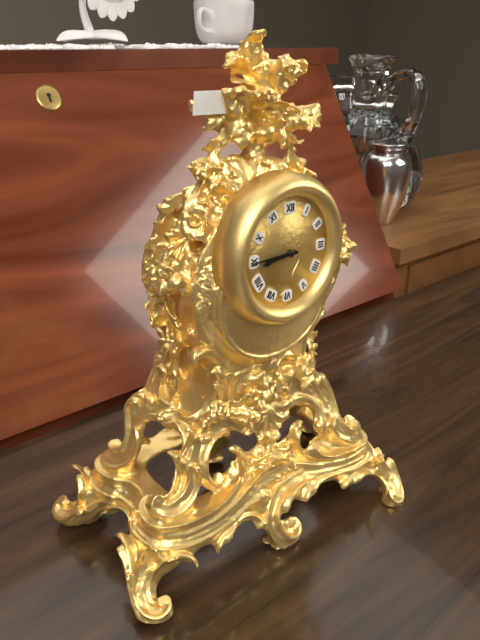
8:45
